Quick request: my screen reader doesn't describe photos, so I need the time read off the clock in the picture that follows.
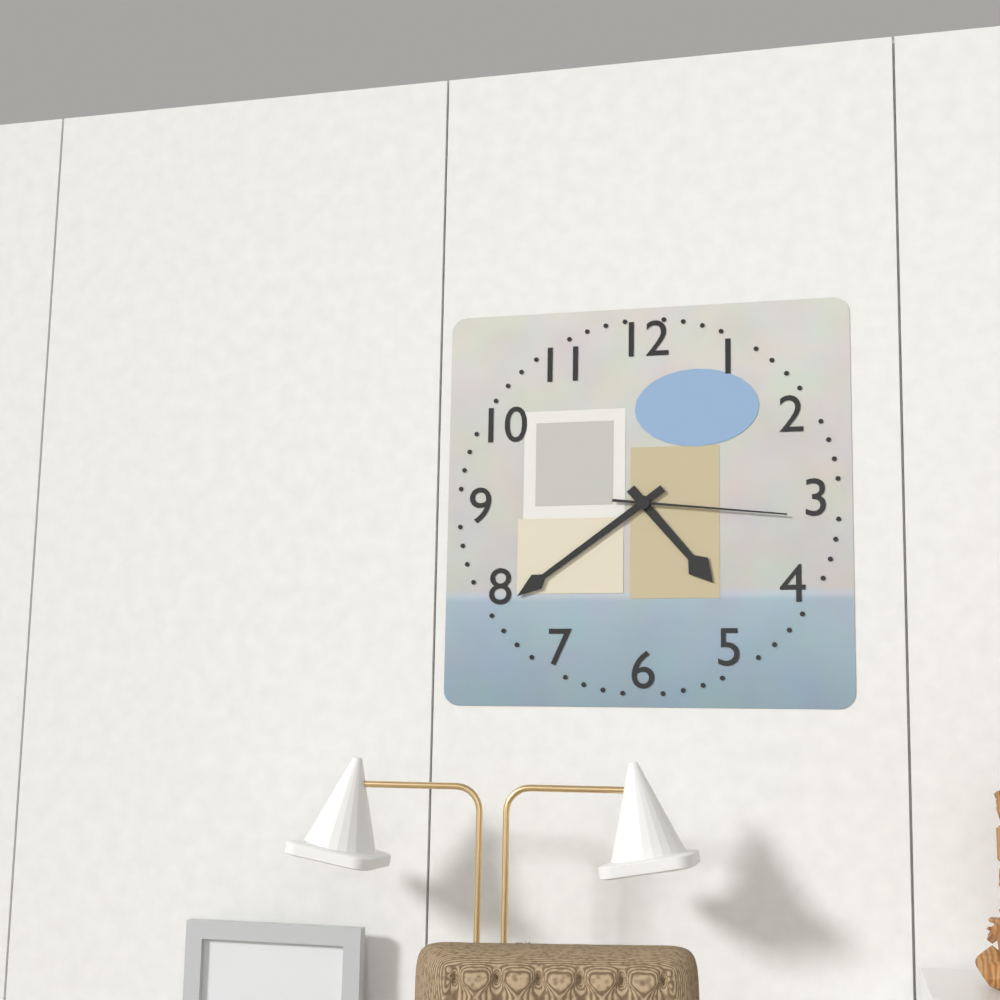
4:39:16
